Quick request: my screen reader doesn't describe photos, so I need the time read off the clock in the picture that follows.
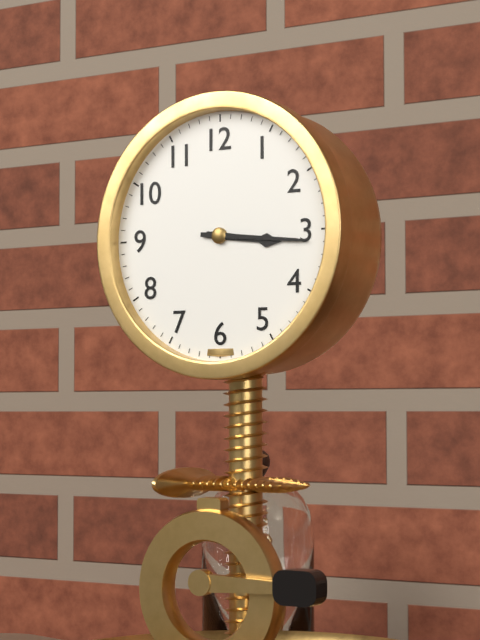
3:16
